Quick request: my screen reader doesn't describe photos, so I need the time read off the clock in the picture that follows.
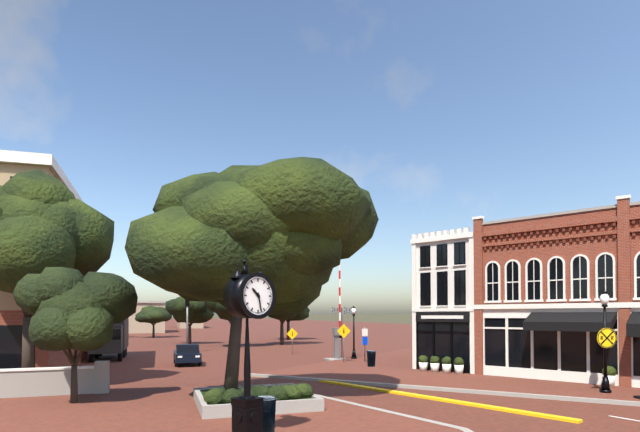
10:28
